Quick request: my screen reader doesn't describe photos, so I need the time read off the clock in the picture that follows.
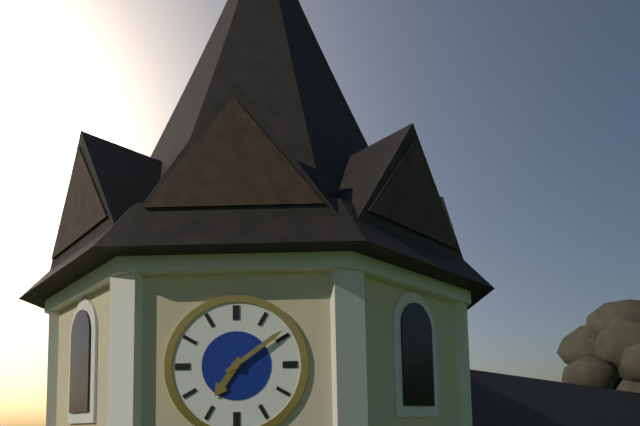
7:09
